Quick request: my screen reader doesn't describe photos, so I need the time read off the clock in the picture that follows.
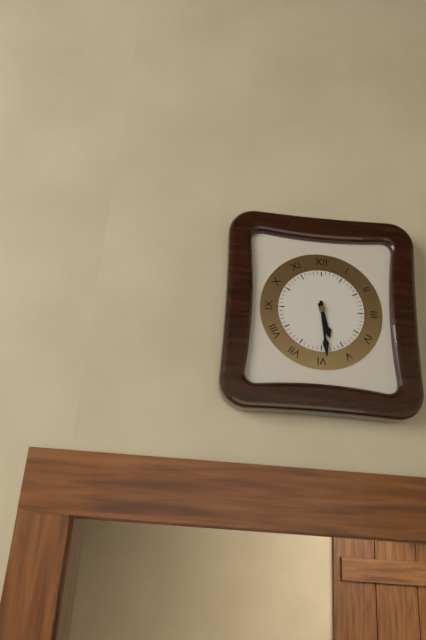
5:29
